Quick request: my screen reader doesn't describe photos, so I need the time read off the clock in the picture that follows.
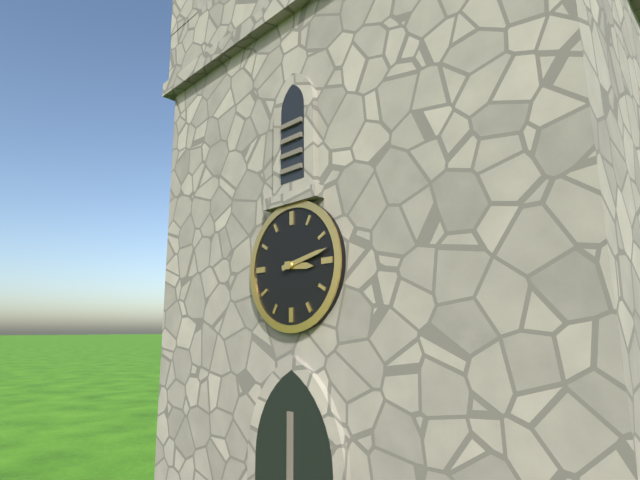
3:13
